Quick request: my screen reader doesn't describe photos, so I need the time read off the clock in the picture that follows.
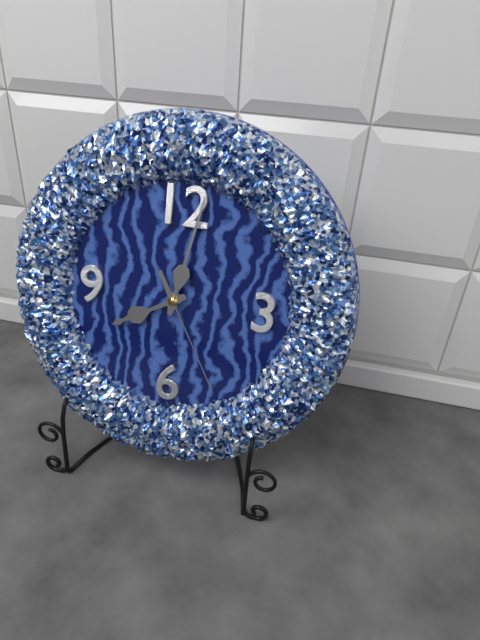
8:02:25
